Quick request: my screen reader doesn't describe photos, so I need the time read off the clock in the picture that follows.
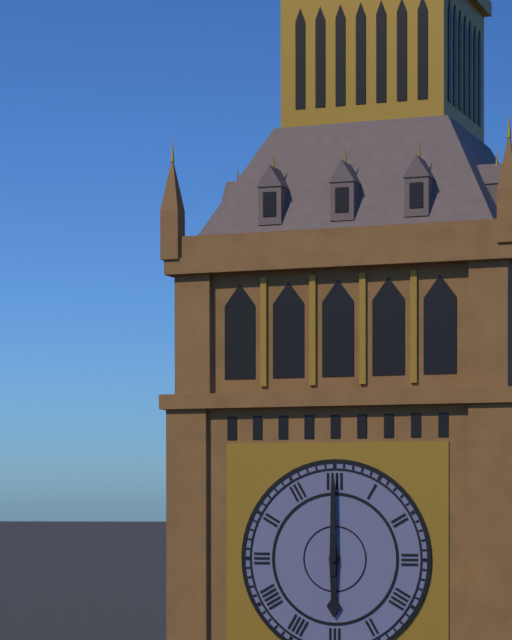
6:00
